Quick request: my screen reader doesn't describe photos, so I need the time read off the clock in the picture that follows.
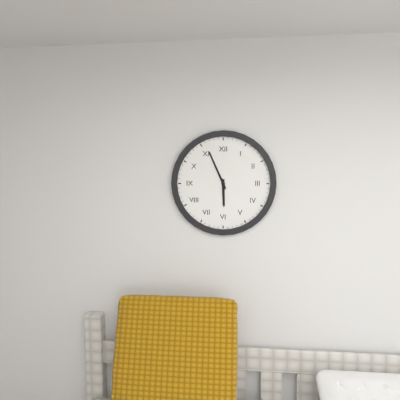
5:56
